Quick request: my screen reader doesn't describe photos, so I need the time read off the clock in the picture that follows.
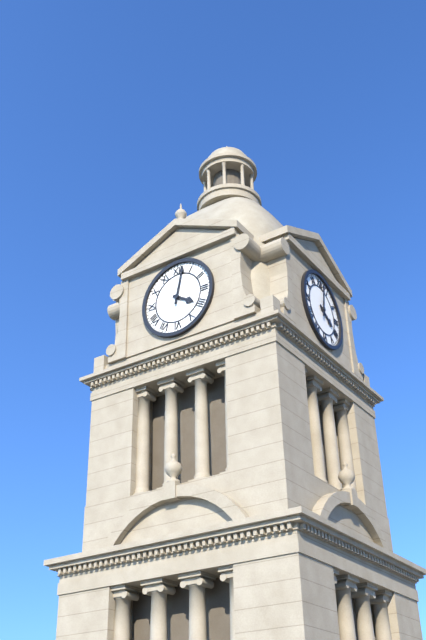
4:02
